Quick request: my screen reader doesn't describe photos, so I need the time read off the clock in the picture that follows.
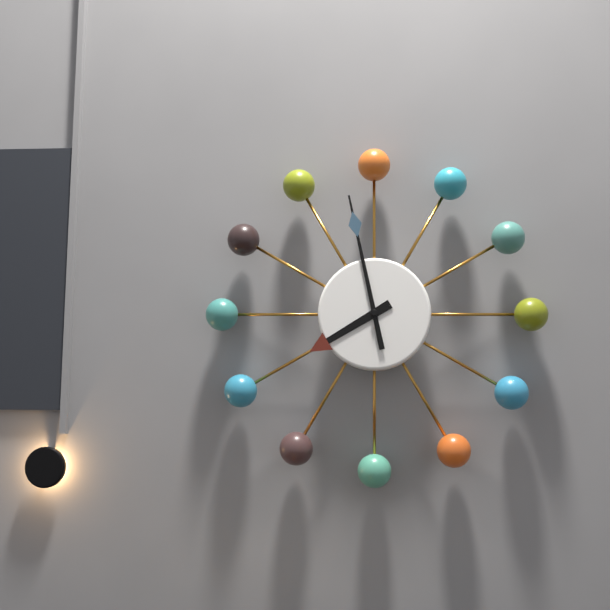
7:58
